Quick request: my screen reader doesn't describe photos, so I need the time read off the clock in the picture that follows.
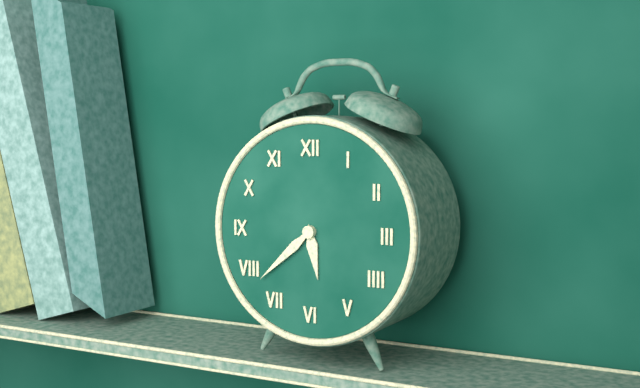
5:38
